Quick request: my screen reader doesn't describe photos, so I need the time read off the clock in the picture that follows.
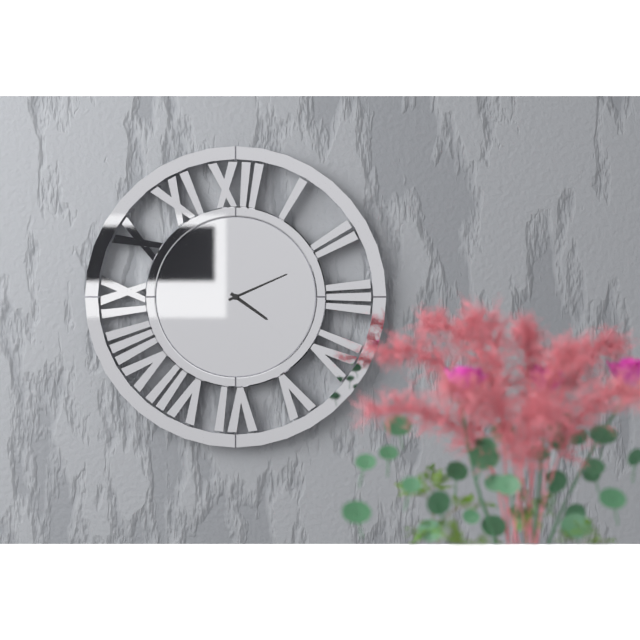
4:11
